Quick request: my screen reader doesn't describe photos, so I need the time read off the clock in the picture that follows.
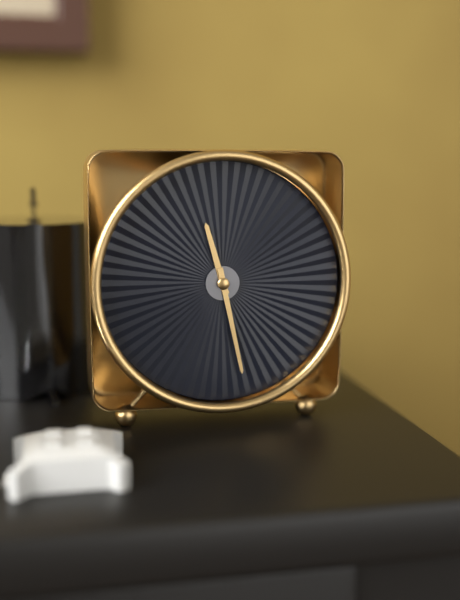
11:28
